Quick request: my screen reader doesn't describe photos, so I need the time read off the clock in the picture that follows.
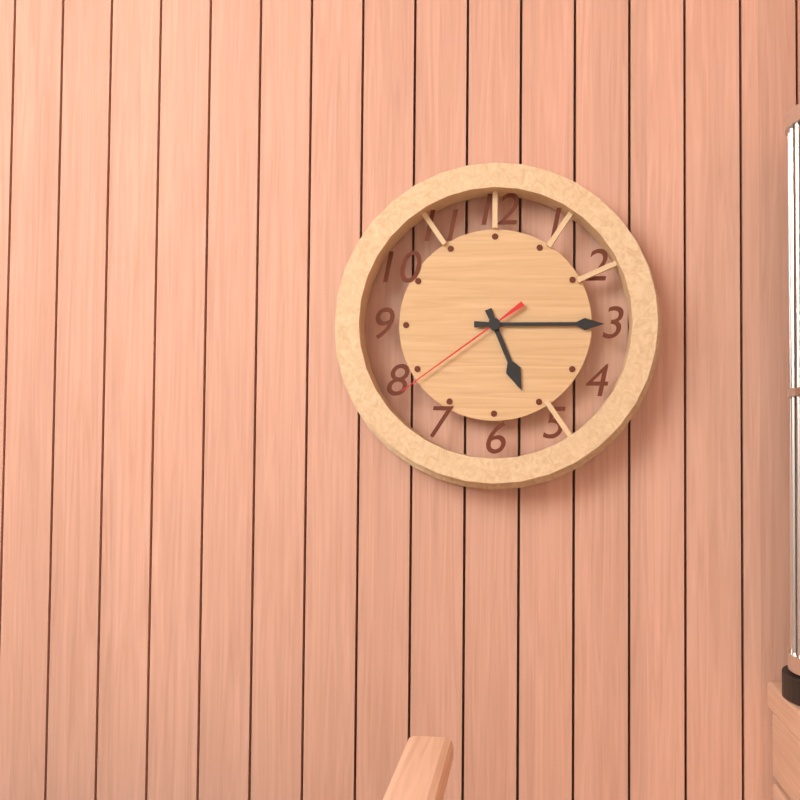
5:15:39
